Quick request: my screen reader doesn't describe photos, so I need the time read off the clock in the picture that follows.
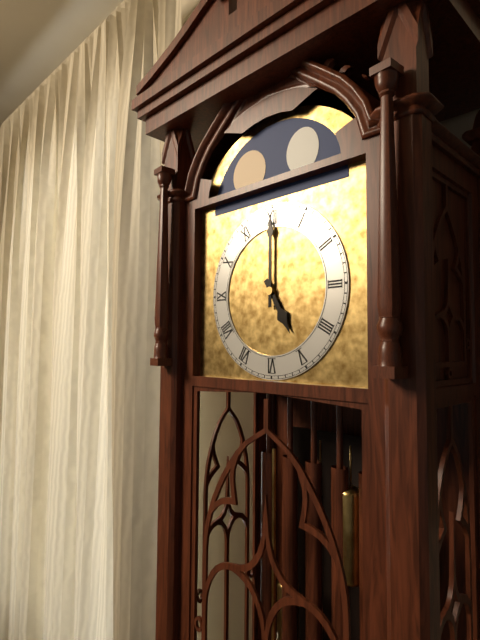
5:00
